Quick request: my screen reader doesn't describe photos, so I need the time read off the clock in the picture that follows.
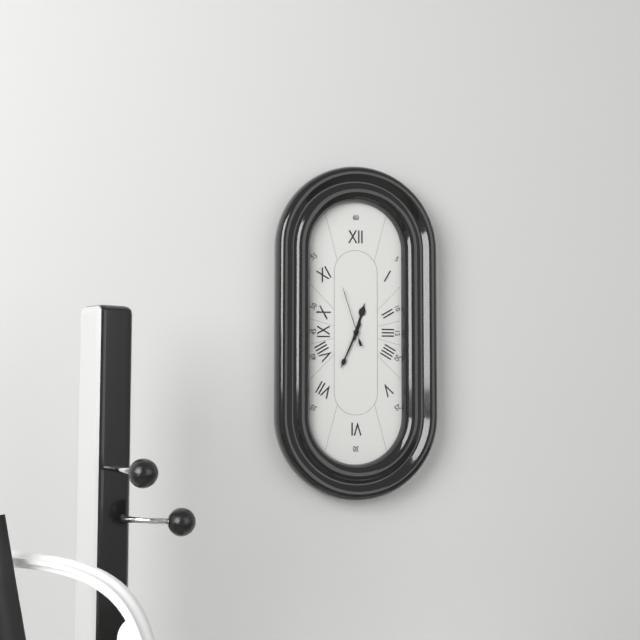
12:34:57
